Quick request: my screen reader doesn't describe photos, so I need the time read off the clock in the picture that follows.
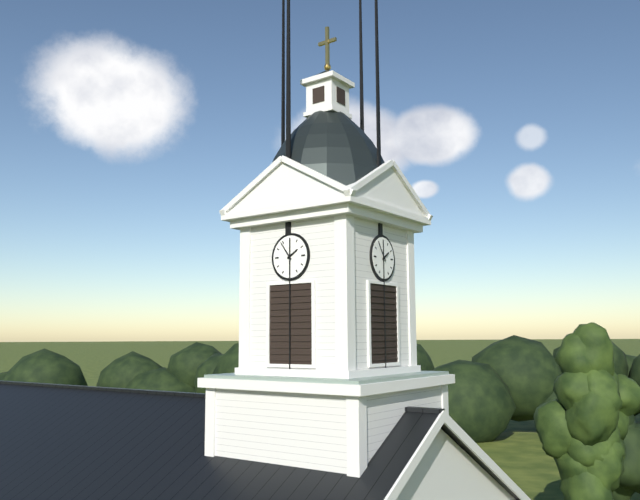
1:54
